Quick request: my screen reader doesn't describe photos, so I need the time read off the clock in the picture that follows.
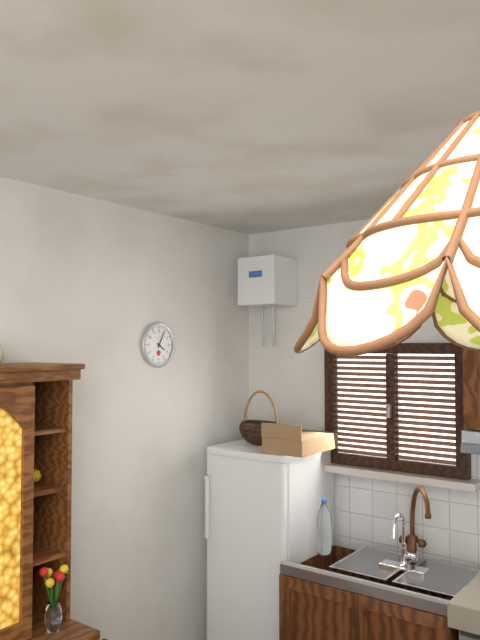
4:05
